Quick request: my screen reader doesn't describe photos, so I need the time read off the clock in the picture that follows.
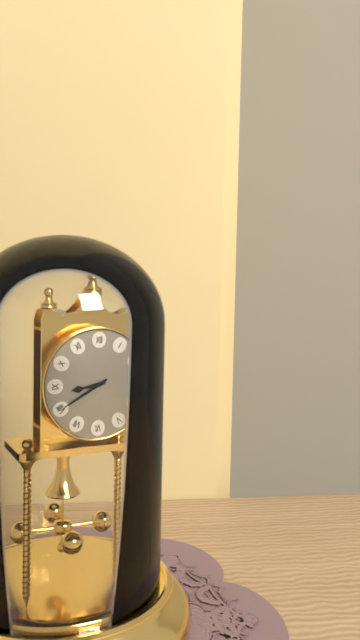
8:40
